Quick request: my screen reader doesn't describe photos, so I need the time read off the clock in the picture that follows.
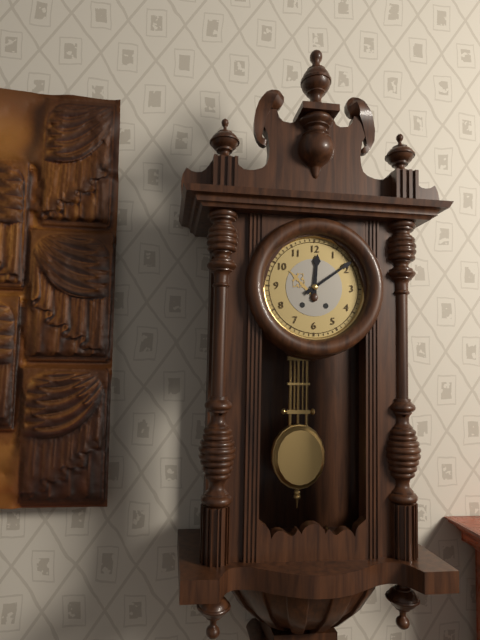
12:09
